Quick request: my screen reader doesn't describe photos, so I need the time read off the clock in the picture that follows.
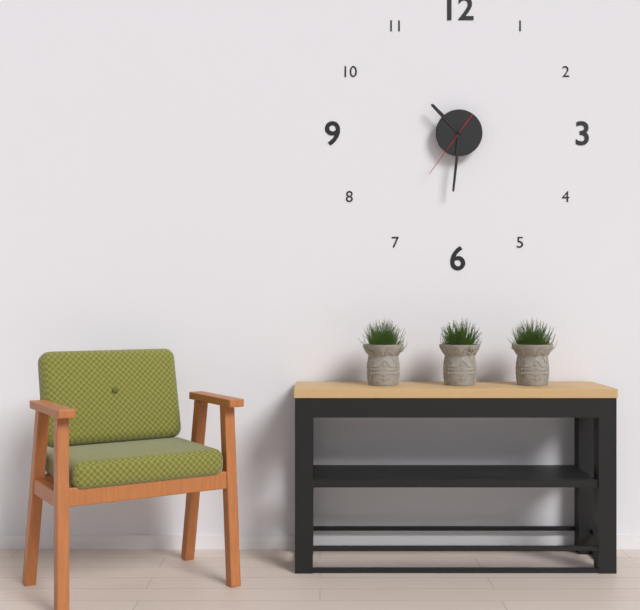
10:31:36
